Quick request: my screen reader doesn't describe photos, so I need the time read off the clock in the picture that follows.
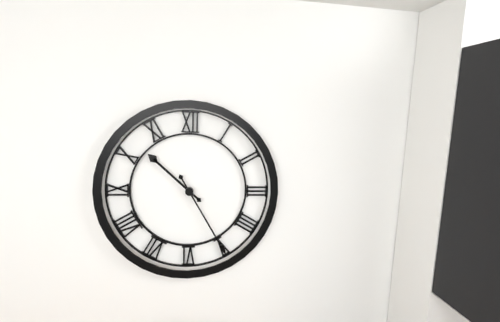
10:25
